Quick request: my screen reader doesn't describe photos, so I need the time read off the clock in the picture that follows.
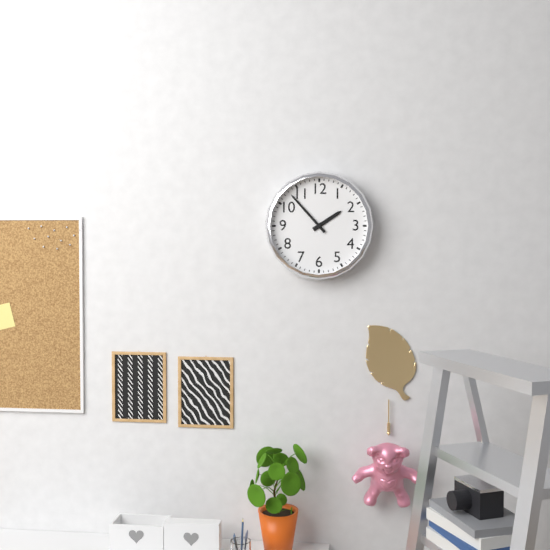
1:53
